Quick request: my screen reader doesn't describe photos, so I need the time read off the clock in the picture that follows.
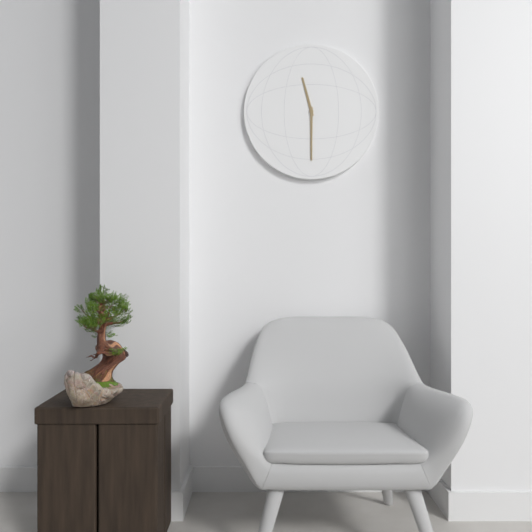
11:30
